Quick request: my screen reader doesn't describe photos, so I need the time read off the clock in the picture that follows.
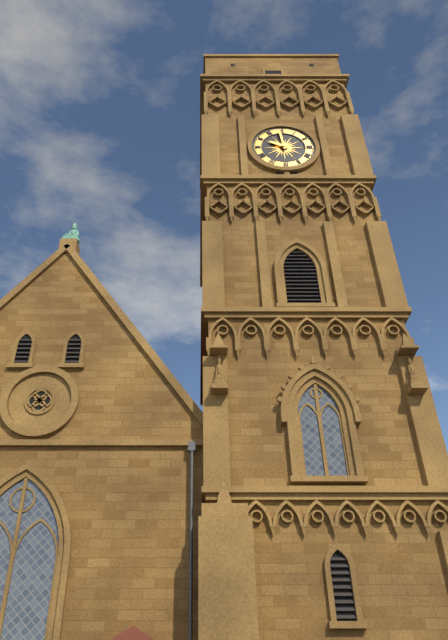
9:59
